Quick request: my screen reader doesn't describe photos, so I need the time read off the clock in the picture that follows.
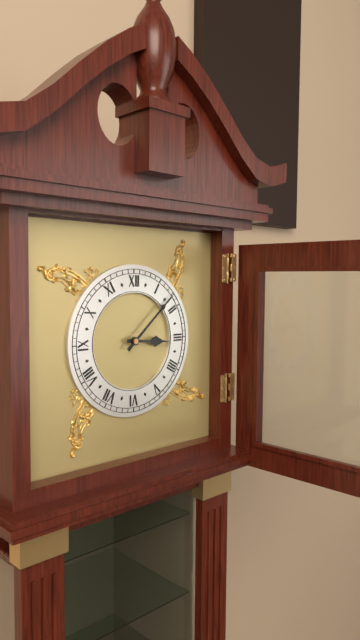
3:08
